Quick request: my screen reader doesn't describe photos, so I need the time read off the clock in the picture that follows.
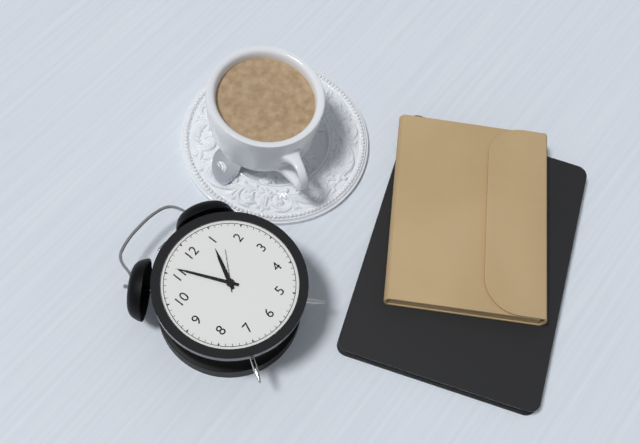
12:56
